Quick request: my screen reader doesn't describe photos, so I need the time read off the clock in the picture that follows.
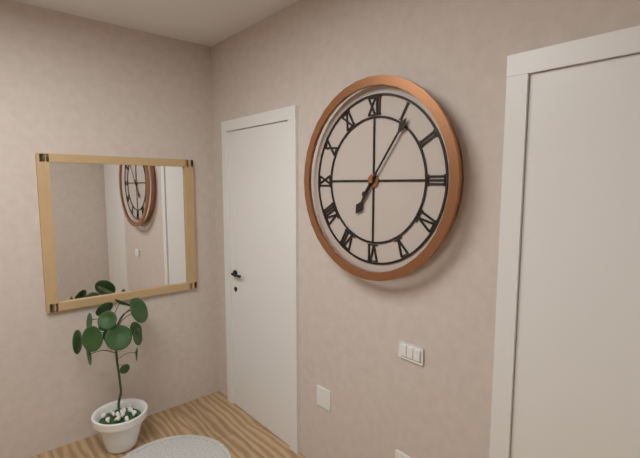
7:06
